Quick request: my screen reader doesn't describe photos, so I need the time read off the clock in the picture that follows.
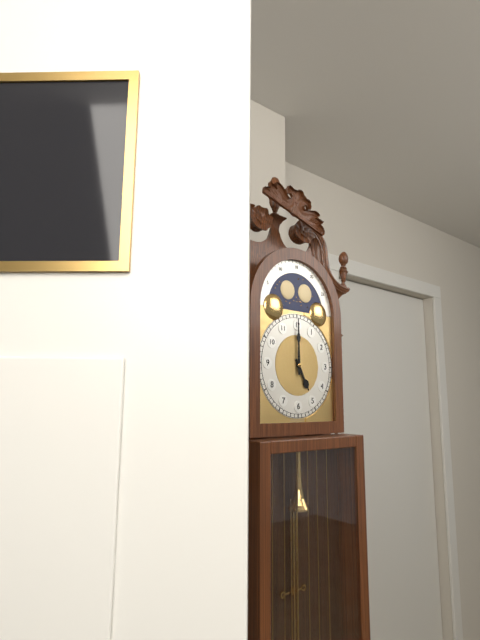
5:00
